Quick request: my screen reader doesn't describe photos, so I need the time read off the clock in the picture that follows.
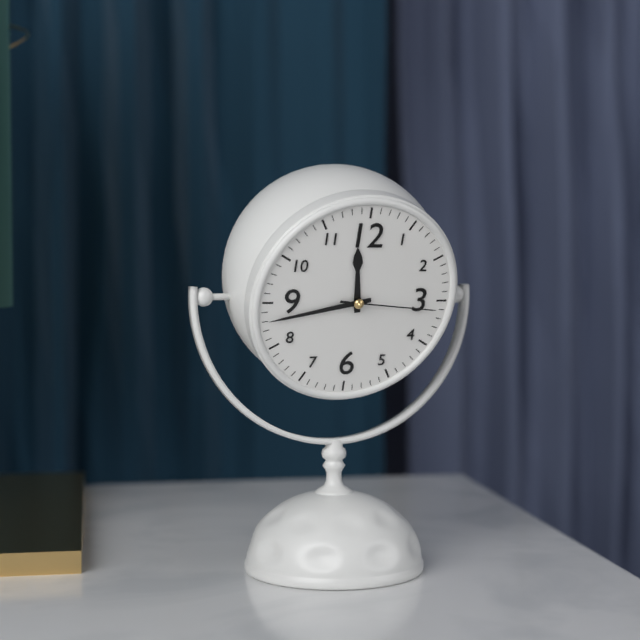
11:43:16
